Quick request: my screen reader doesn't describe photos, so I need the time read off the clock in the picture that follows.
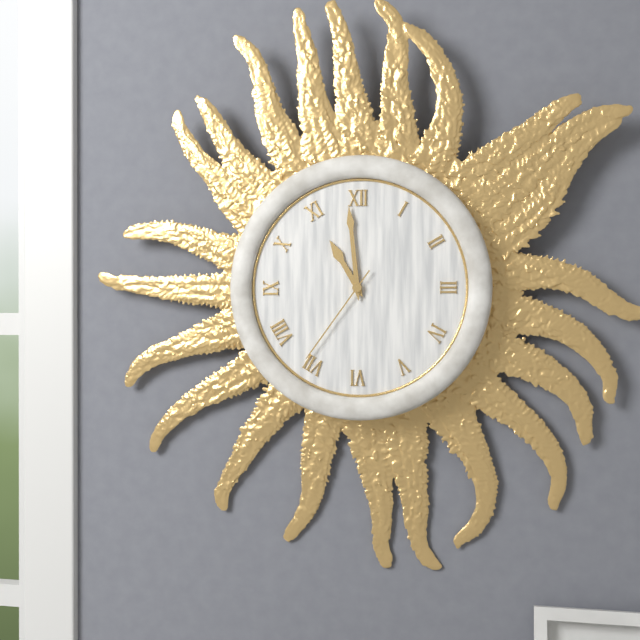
10:59:36
